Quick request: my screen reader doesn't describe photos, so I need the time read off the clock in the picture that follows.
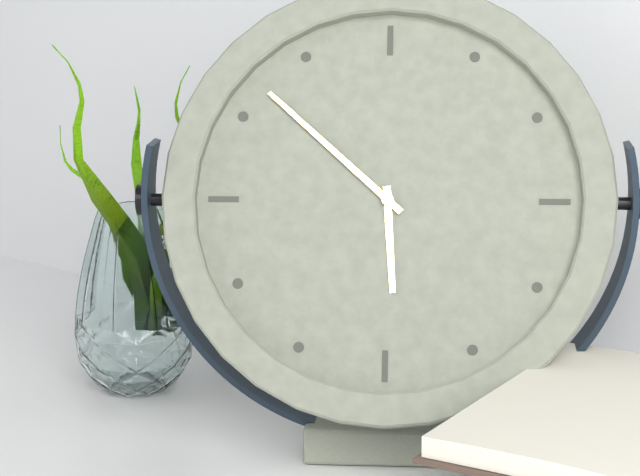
5:52
